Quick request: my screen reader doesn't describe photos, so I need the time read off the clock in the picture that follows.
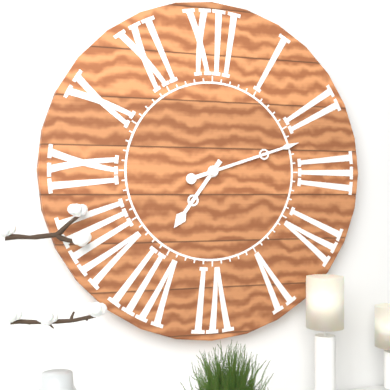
7:12
